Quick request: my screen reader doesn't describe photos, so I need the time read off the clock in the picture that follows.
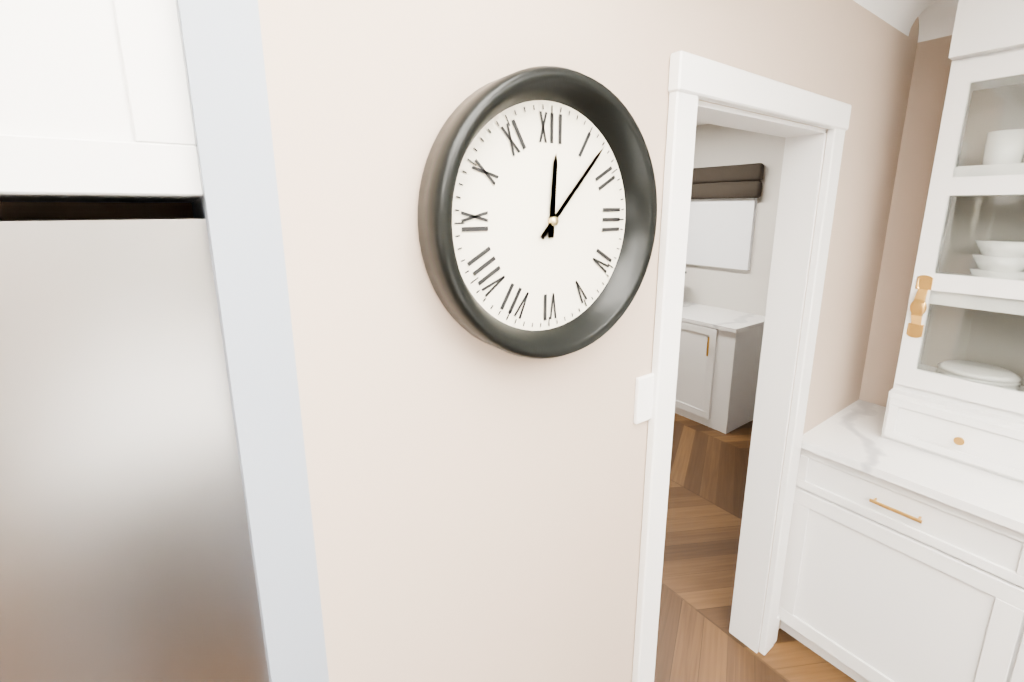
12:07
